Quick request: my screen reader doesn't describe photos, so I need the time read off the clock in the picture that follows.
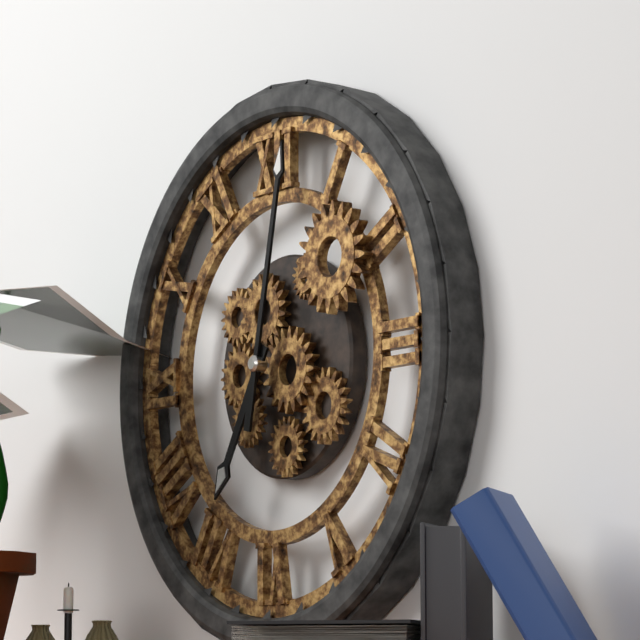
7:02
